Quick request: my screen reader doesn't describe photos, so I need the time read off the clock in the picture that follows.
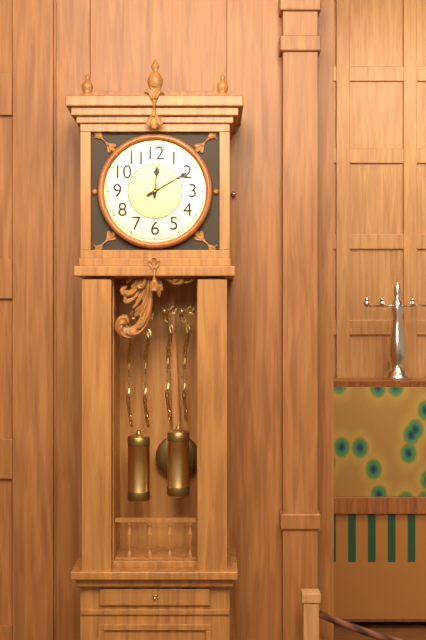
12:10
